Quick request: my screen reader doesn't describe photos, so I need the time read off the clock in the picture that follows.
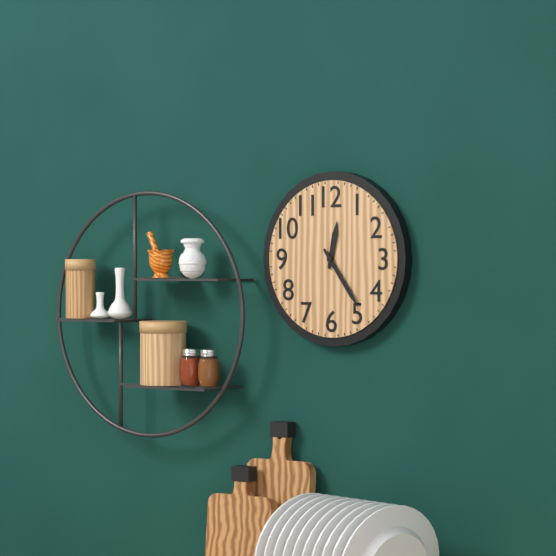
12:24
